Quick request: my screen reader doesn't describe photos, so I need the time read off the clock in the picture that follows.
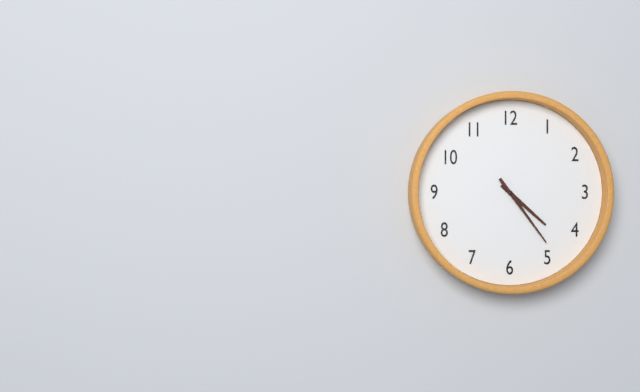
4:24
